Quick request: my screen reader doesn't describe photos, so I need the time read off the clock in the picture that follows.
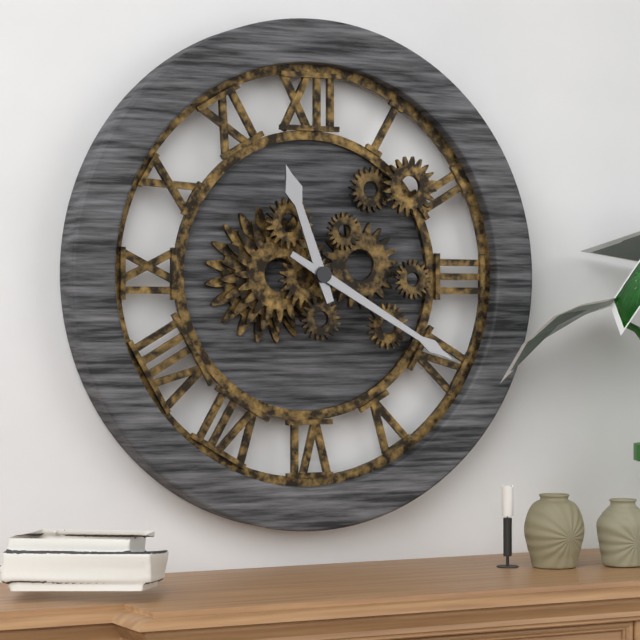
11:20
